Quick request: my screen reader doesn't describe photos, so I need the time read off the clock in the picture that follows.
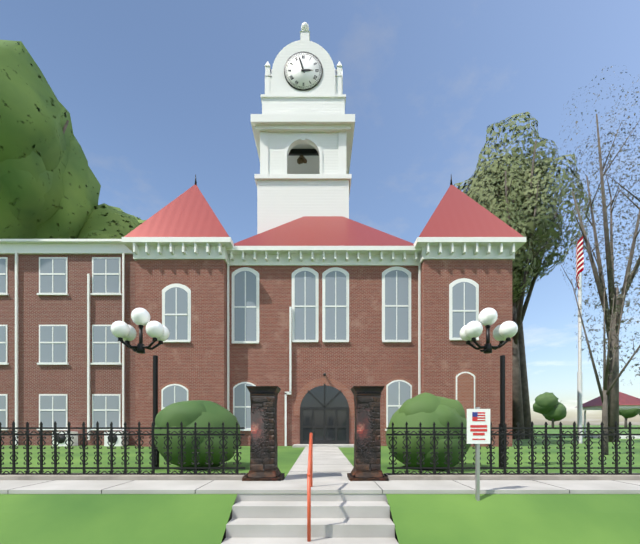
2:57
